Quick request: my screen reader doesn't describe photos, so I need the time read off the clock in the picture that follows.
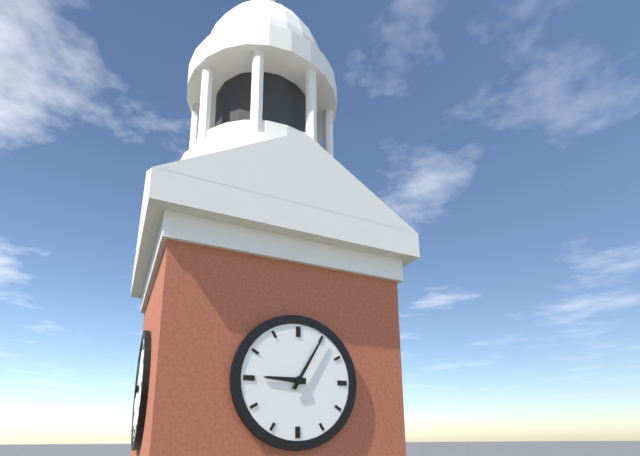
9:05
